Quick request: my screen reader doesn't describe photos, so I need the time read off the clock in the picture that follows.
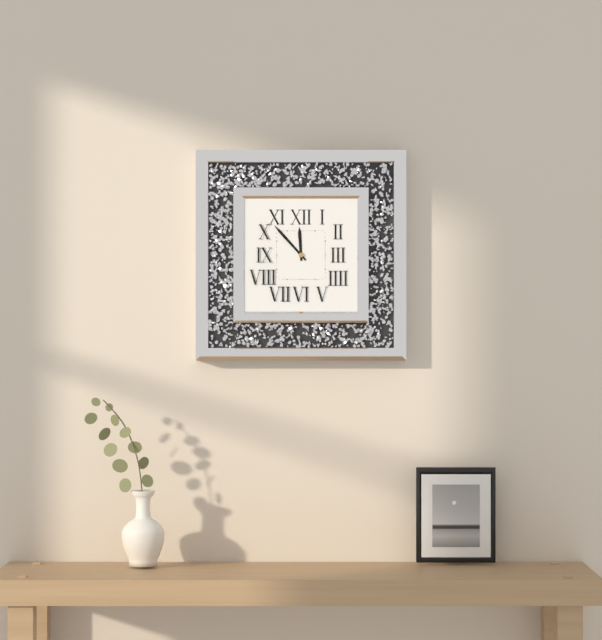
11:53
